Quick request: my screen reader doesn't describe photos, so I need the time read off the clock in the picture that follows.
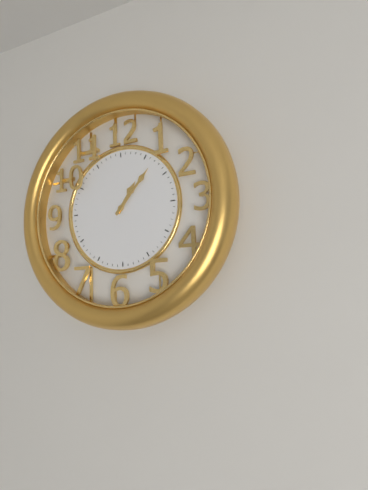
1:07
